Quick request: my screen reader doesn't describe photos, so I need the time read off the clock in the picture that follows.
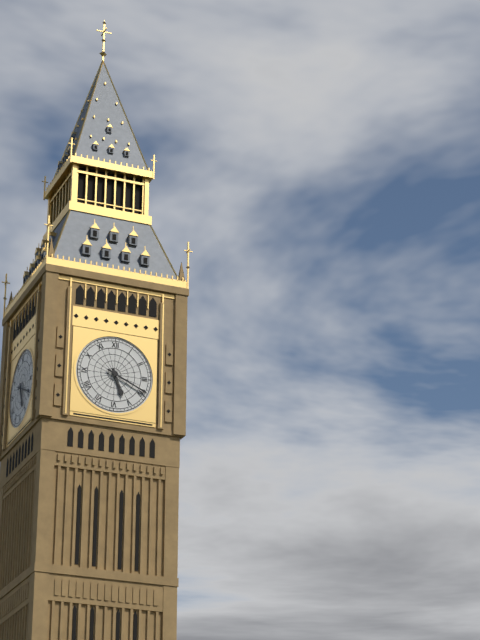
5:19
